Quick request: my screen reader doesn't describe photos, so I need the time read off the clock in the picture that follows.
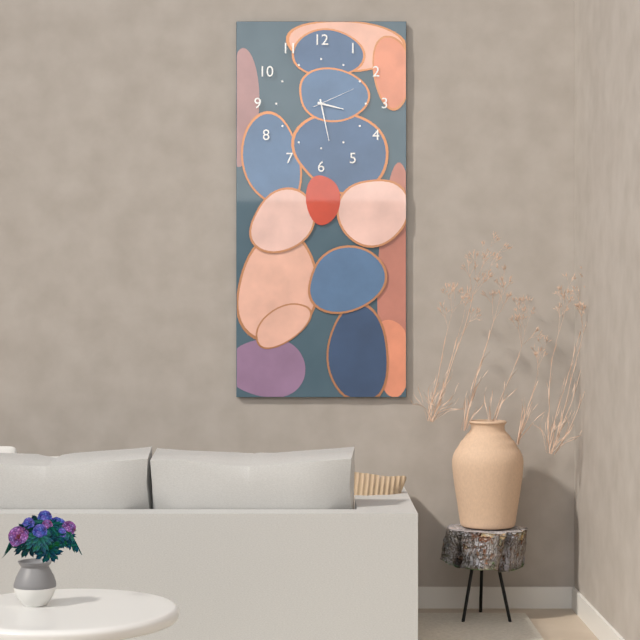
3:28
